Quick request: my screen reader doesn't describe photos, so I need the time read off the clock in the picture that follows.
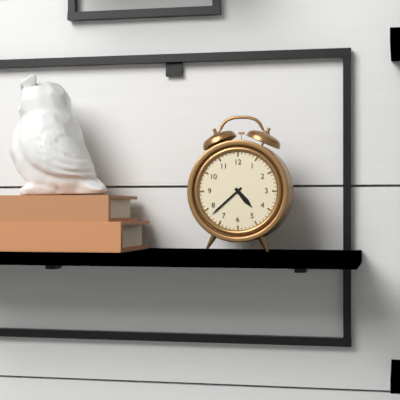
4:38
